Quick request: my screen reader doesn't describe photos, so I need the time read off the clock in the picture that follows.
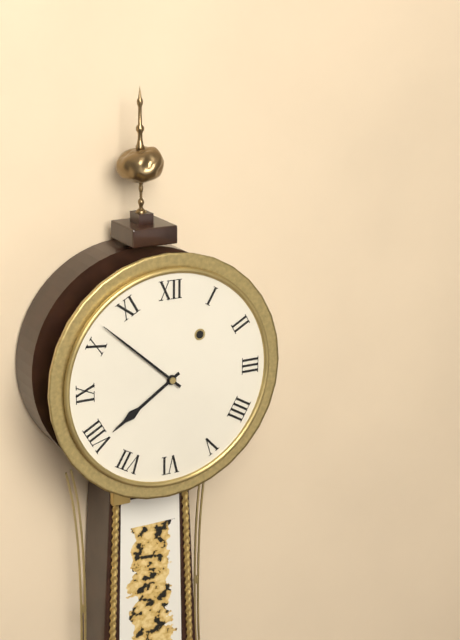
7:52
